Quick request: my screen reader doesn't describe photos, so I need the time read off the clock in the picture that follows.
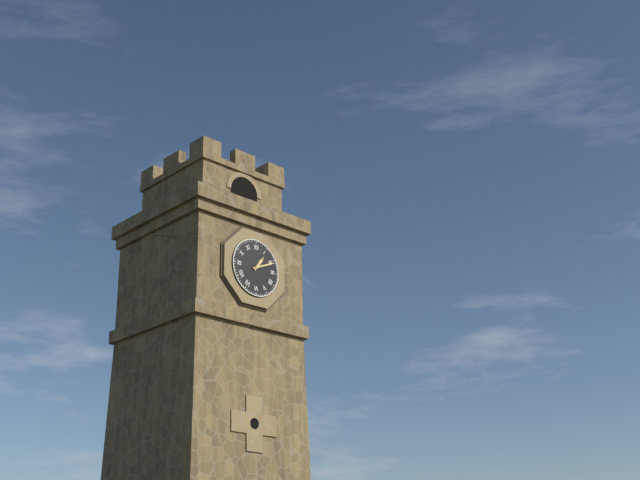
1:11
